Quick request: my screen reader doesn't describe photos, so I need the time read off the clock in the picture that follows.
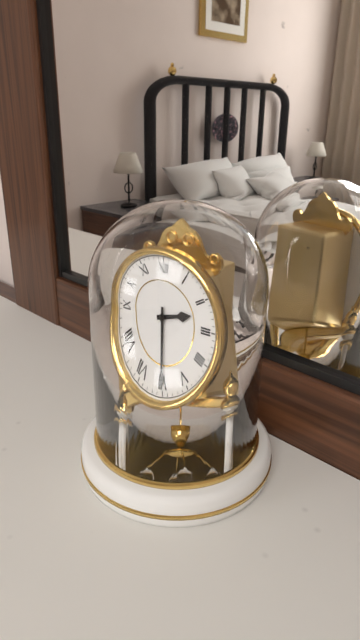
2:30
